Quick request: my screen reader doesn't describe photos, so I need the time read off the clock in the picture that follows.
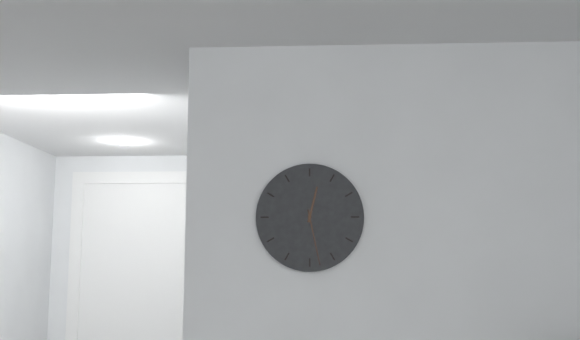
12:28
